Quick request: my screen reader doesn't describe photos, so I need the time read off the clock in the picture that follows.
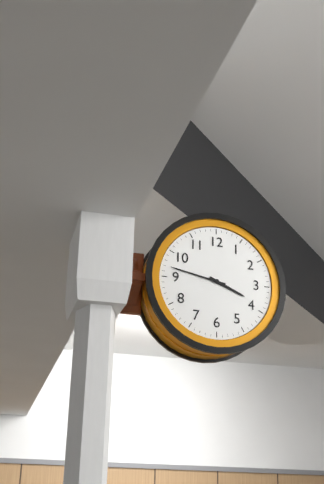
3:47
